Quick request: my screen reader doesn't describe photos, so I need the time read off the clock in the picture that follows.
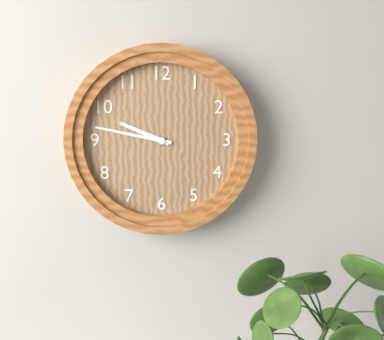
9:47
